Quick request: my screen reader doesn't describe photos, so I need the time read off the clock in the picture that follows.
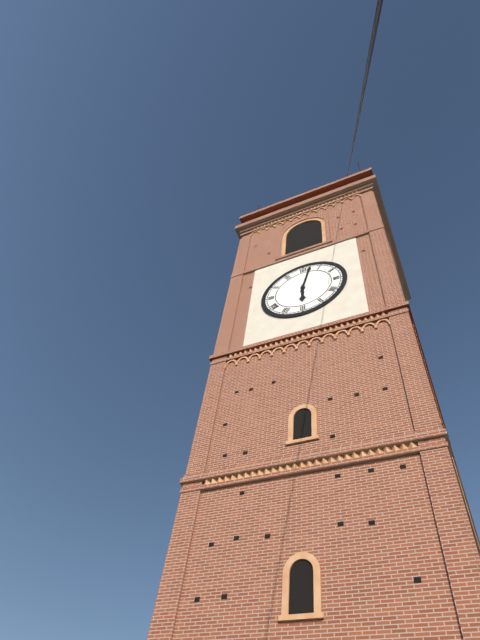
6:02
